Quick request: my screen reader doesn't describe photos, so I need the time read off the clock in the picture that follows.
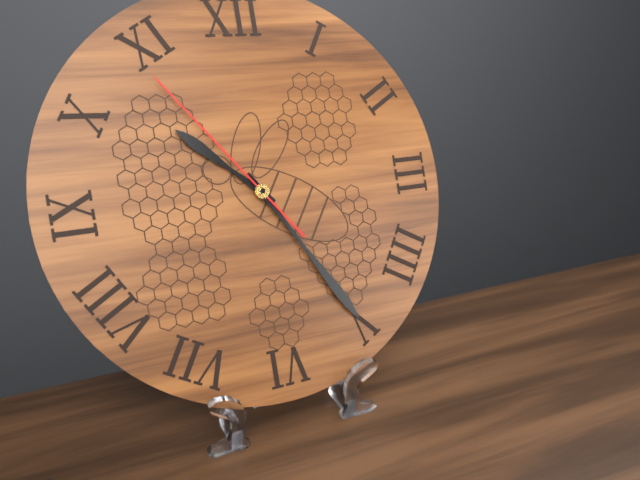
10:25:54
